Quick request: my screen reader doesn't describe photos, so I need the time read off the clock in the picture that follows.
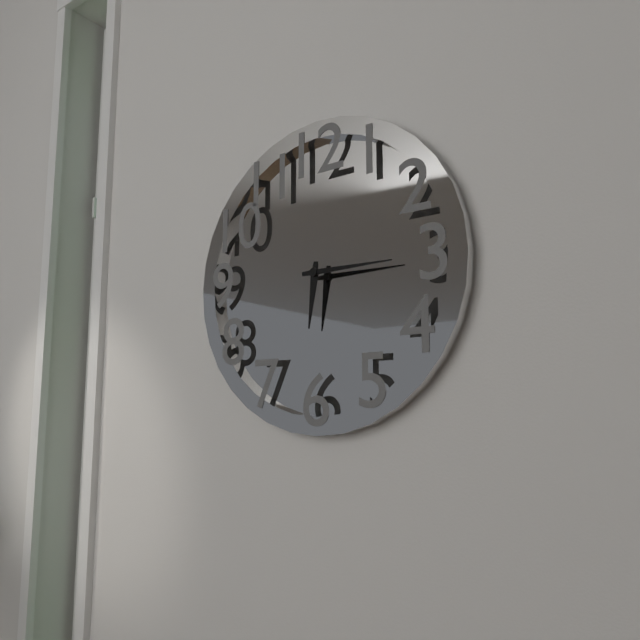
6:15
